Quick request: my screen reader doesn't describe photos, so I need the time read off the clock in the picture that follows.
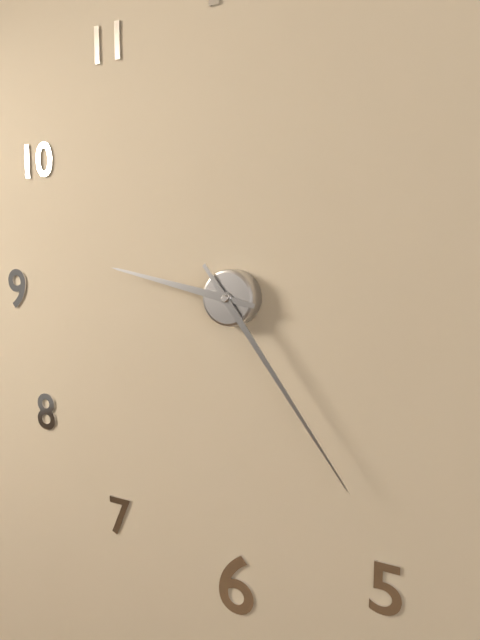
9:24
